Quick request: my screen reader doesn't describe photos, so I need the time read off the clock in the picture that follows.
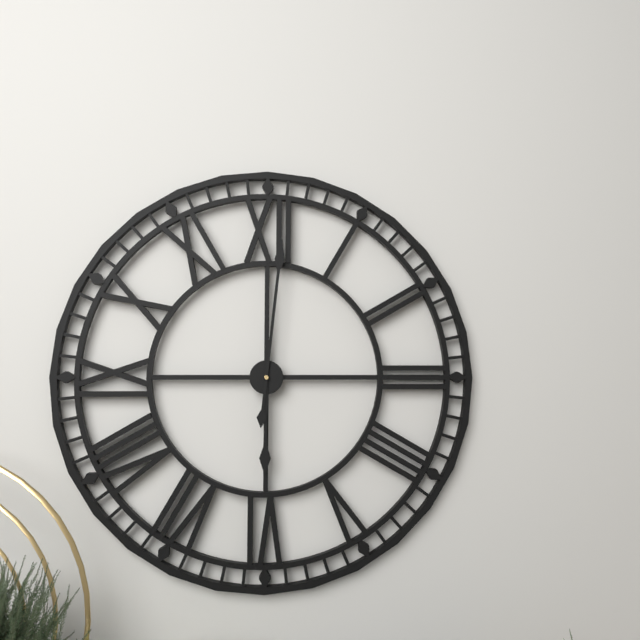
6:01
